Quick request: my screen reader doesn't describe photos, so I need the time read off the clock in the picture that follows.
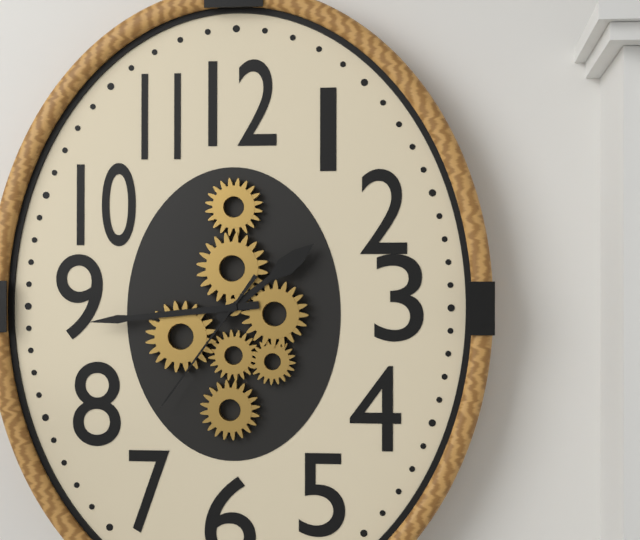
1:44:36
